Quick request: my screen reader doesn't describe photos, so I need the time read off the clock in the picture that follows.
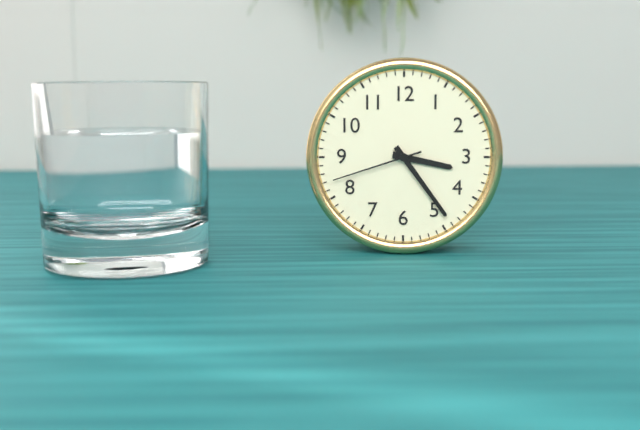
3:24:42
